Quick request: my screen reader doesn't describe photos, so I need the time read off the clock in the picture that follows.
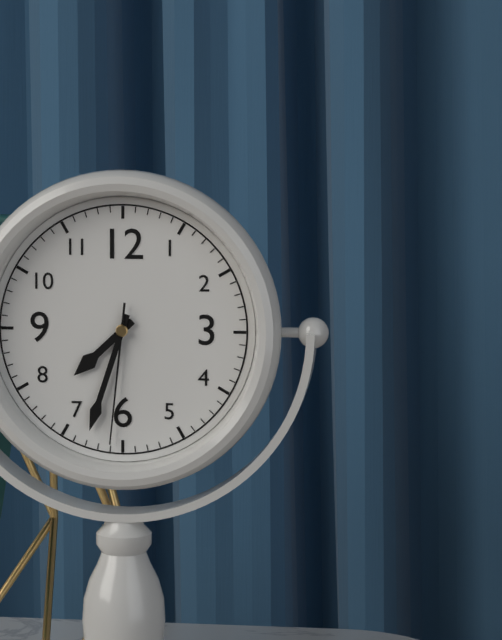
7:33:31
